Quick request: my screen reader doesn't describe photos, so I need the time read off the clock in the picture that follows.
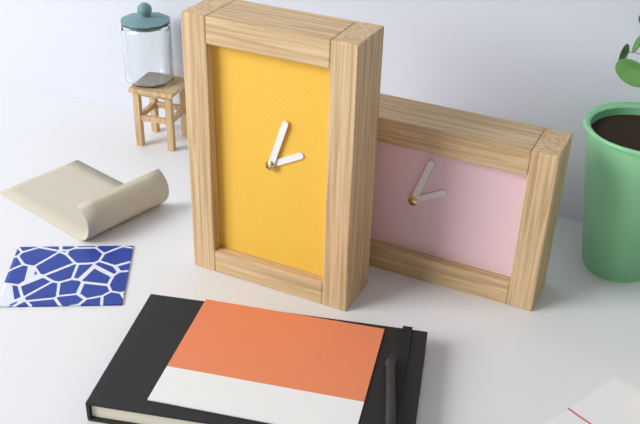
2:03
